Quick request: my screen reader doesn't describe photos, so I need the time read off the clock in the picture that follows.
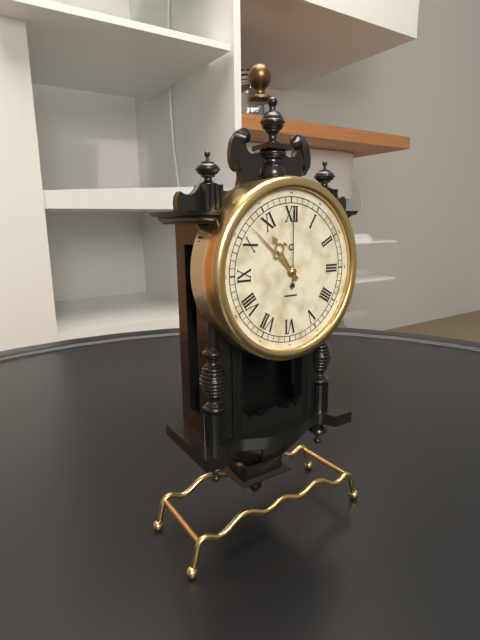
10:52:00
